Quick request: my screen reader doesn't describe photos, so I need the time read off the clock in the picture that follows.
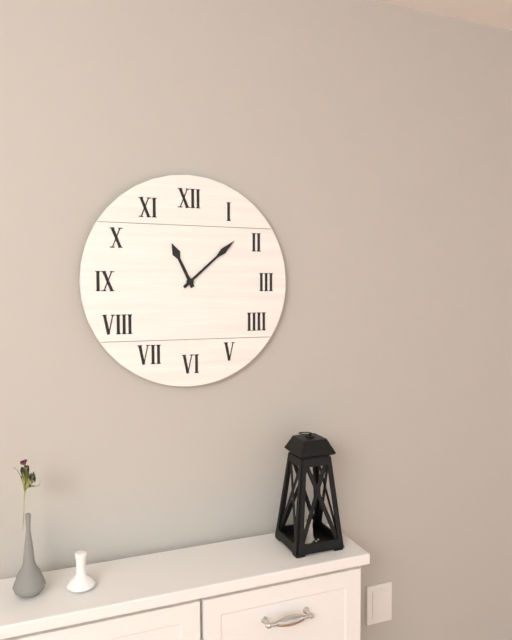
11:08
